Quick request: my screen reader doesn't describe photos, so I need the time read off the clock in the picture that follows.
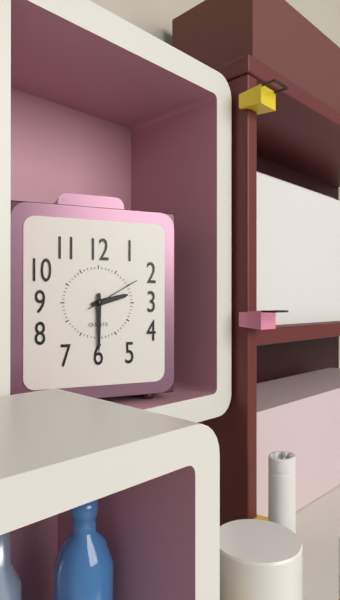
2:30:10
